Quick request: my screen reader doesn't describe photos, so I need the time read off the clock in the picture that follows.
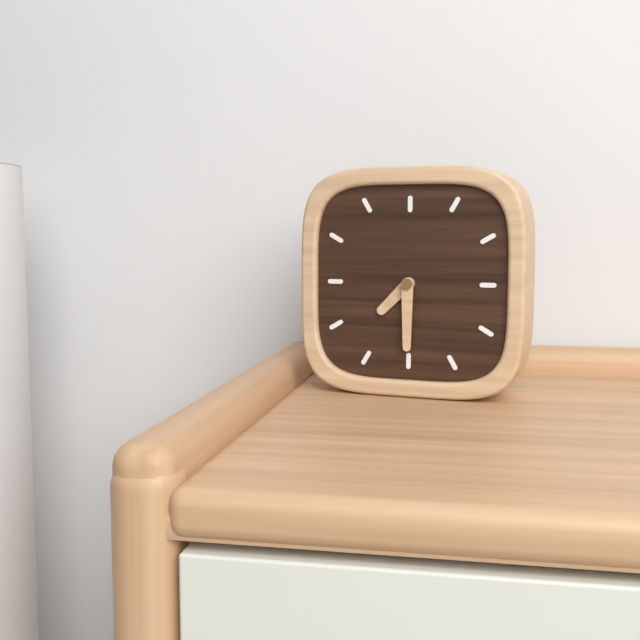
7:30
